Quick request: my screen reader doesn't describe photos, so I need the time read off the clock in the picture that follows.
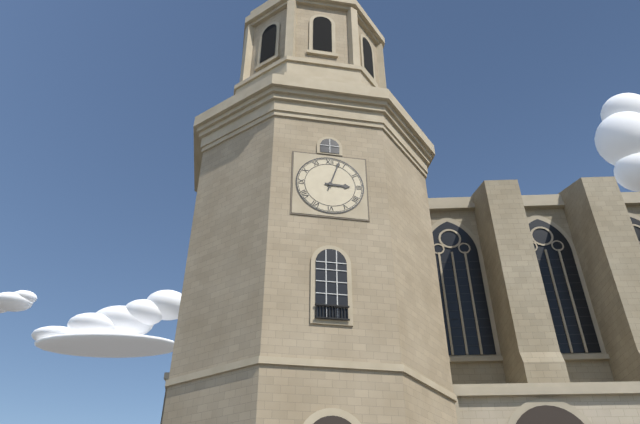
3:03
